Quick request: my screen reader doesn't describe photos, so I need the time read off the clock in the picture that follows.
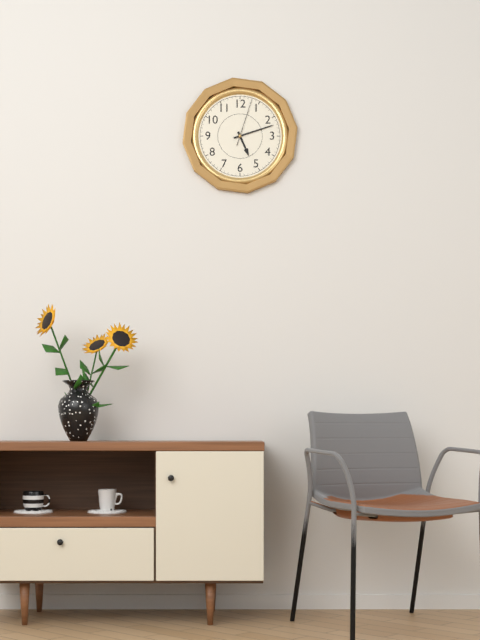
5:12
